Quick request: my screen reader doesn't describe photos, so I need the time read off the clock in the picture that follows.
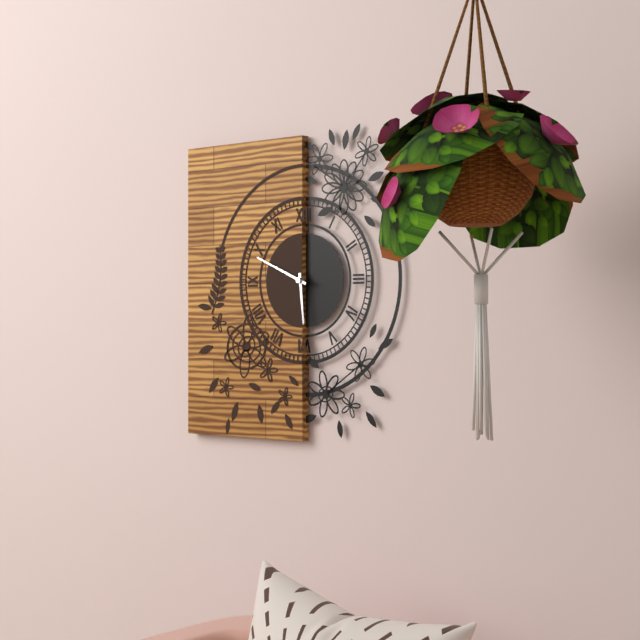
5:49
